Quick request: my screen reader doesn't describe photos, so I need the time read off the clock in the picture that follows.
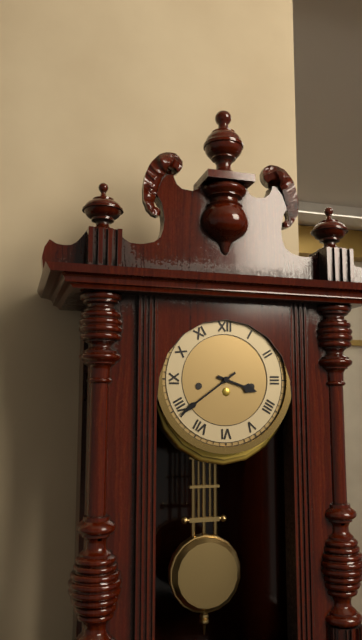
3:39
